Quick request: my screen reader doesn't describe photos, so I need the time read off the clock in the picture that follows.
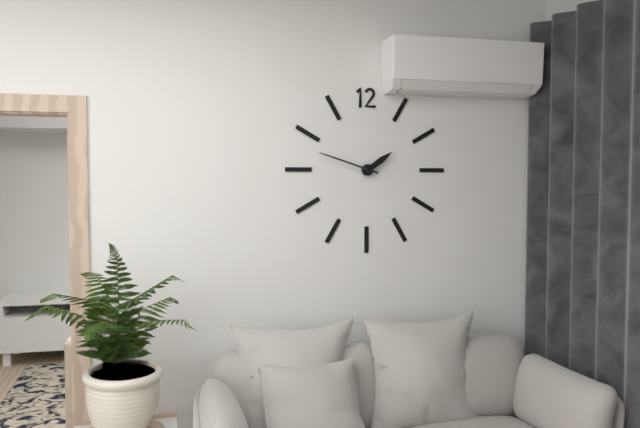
1:48
